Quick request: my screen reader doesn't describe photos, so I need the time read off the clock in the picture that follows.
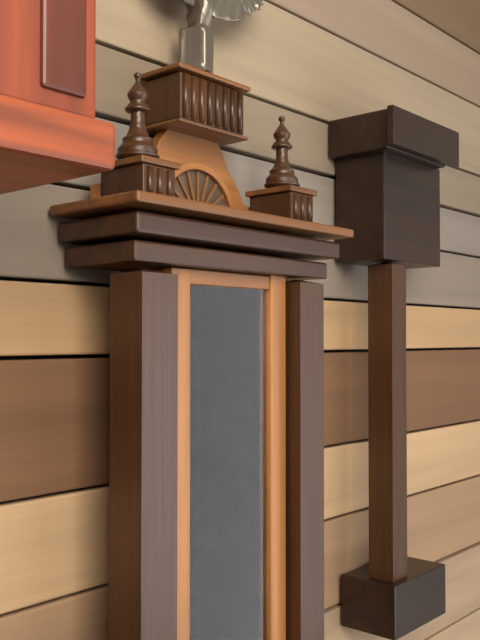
4:50
